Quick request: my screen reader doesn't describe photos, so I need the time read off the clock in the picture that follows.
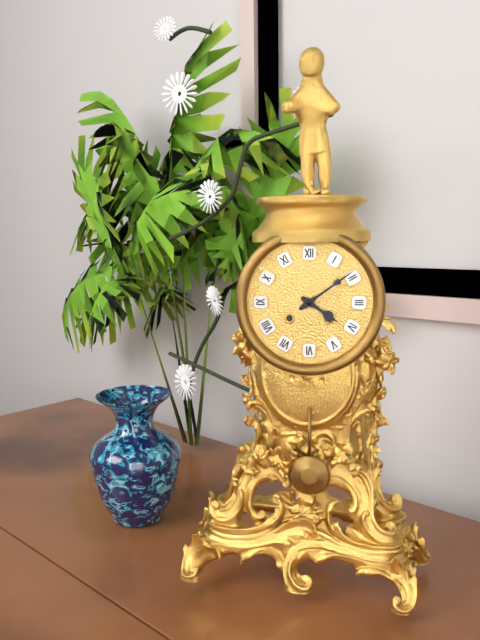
4:09
